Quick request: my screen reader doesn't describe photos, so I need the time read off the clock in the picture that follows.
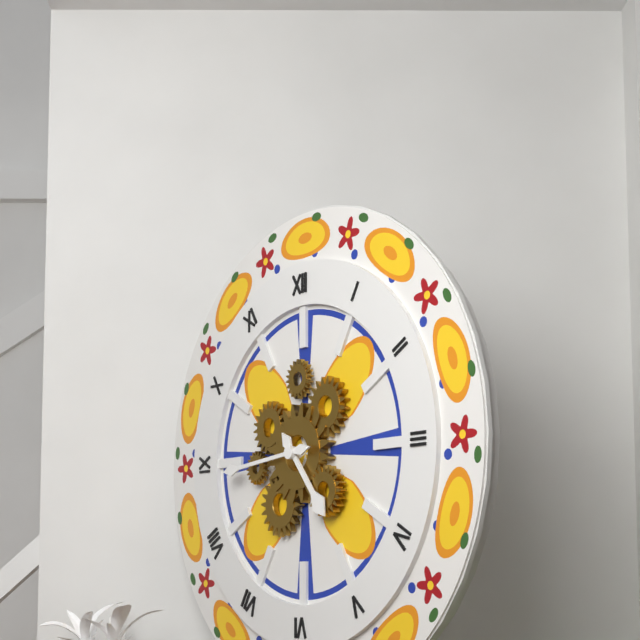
4:44
